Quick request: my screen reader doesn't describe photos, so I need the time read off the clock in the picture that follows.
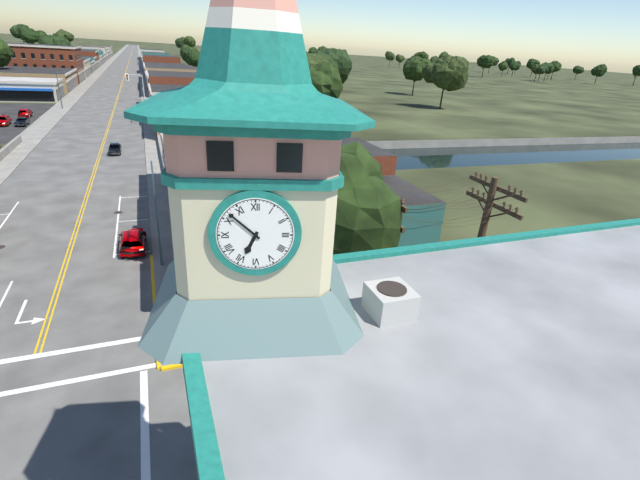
6:52
